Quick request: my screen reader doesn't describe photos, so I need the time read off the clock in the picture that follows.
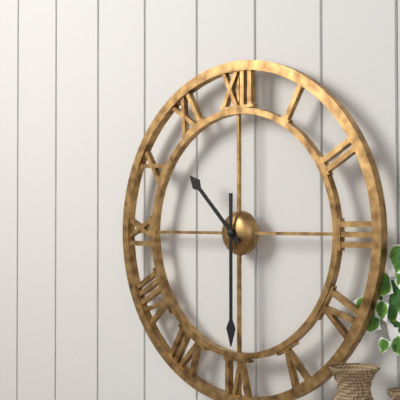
10:30
